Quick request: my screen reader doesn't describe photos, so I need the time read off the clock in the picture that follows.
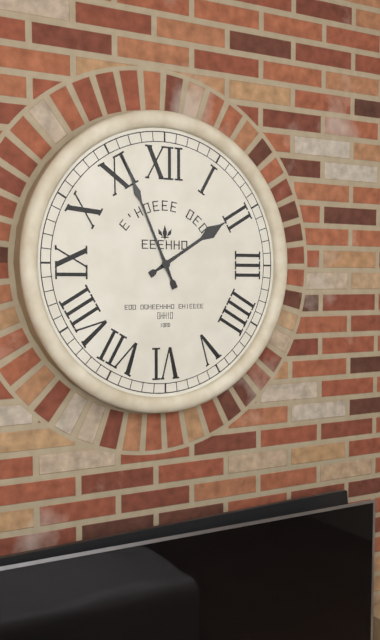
1:56
